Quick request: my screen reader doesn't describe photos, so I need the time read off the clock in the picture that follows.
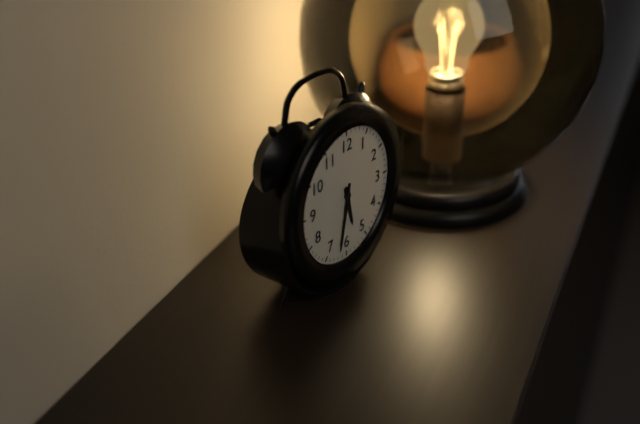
5:32
